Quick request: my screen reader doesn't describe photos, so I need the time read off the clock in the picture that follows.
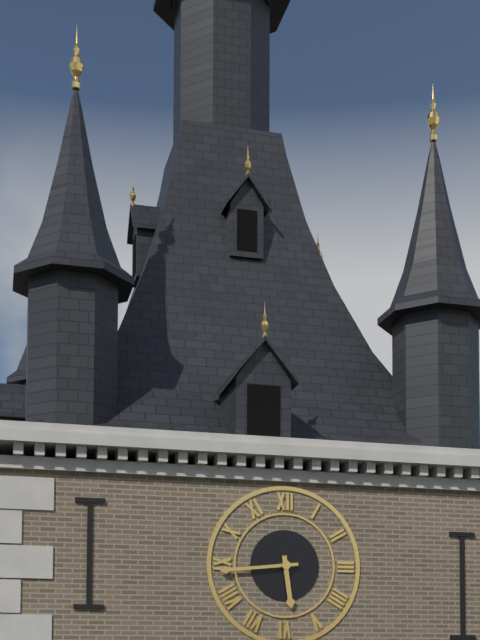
5:44
